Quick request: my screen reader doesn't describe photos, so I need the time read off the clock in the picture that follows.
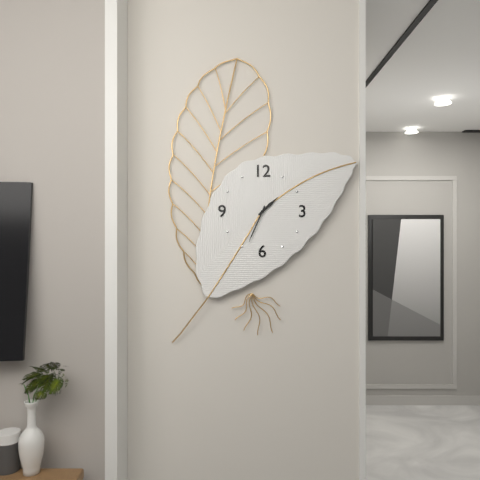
1:34
